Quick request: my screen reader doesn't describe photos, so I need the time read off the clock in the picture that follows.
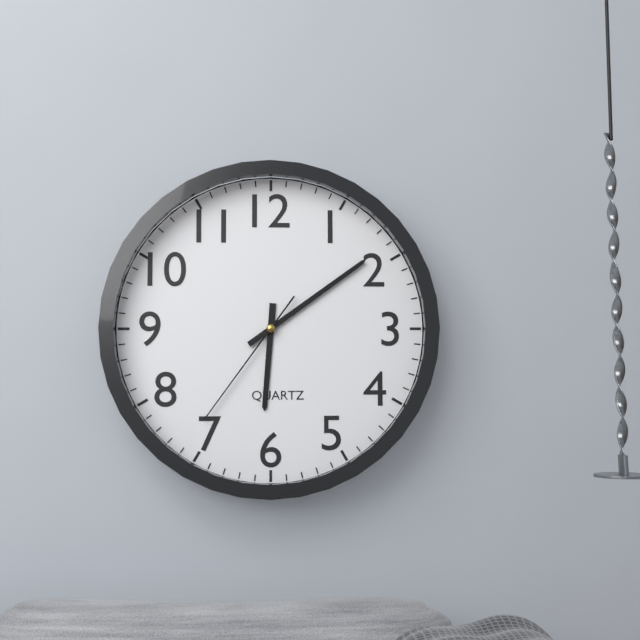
6:09:36
